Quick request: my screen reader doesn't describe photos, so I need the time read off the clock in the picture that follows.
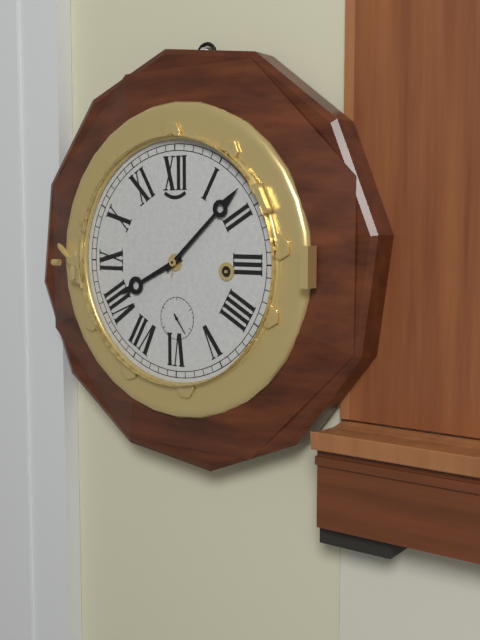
8:08
